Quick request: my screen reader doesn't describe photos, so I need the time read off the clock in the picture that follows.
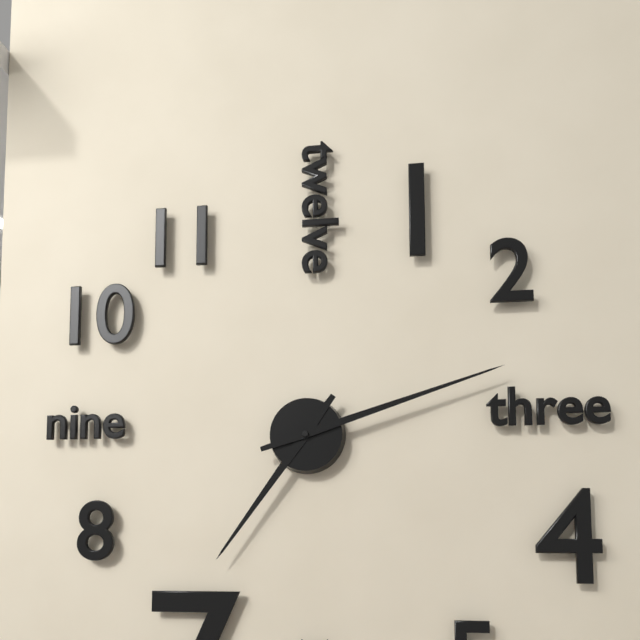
7:12
